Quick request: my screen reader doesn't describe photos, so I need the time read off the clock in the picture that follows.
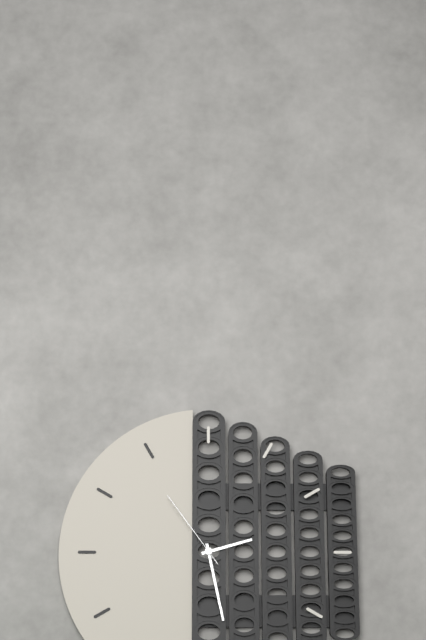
2:28:54
